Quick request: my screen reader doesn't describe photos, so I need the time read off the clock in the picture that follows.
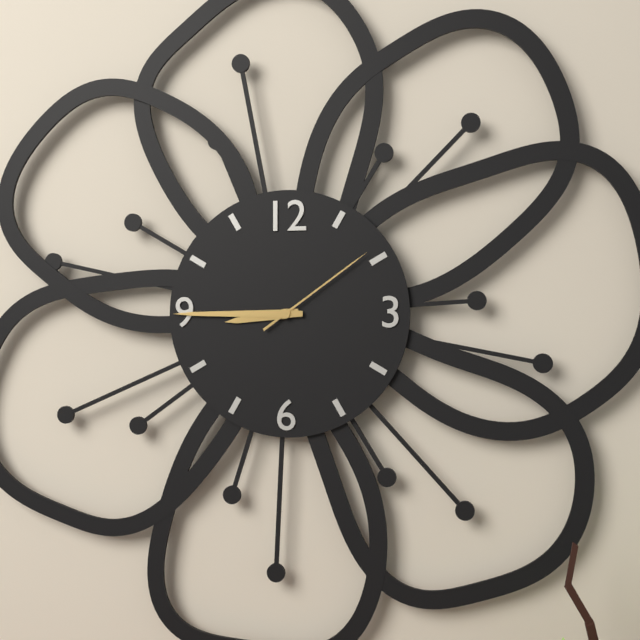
8:45:09
